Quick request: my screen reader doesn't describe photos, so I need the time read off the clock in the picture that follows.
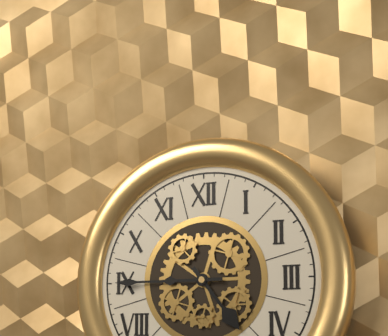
4:45
